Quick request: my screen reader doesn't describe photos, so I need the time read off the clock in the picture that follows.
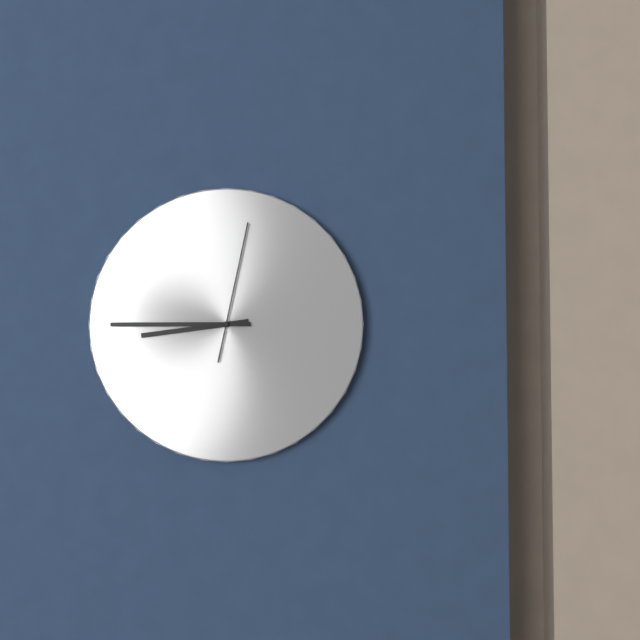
8:45:02
